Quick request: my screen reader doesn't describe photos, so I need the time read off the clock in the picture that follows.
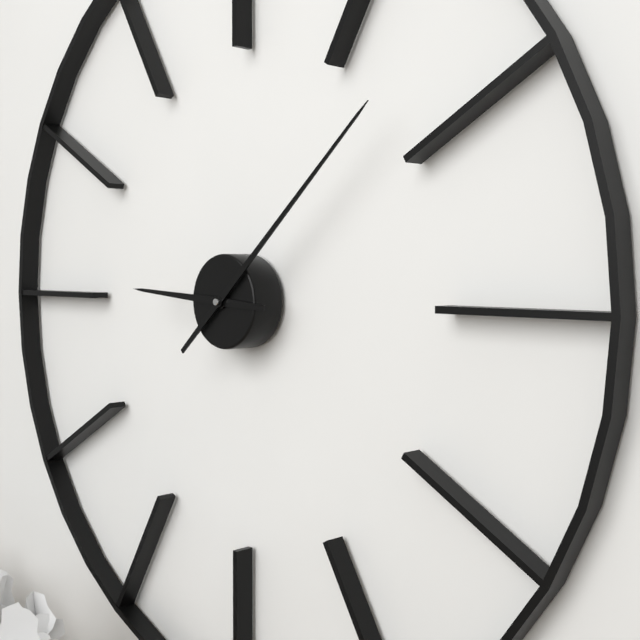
9:08
